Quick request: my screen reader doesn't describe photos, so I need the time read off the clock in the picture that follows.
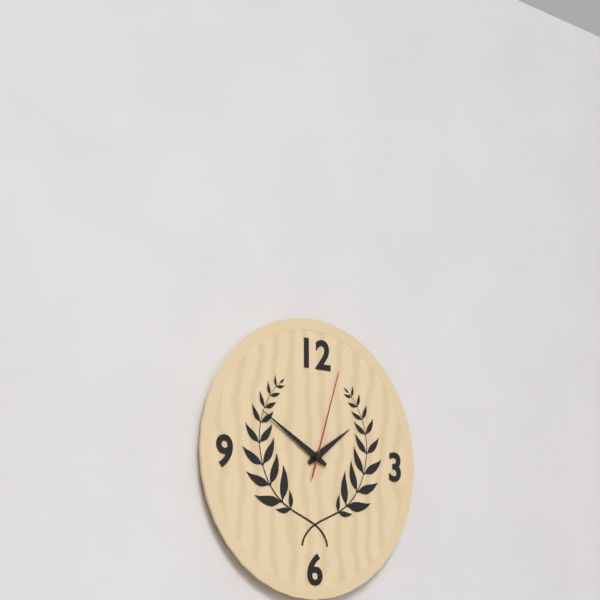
1:50:03
